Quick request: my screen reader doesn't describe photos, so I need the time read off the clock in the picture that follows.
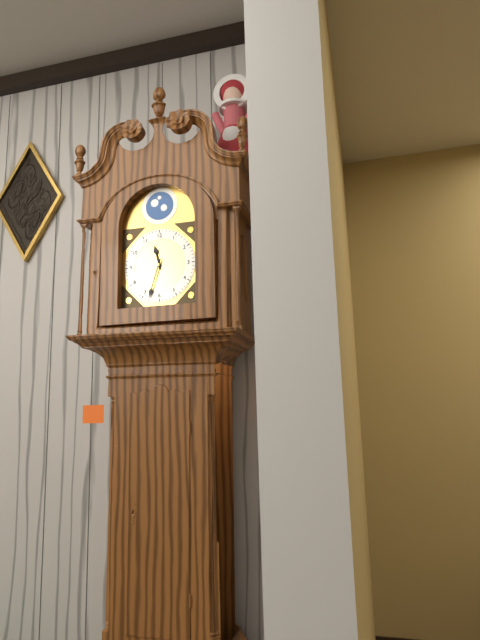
11:33
